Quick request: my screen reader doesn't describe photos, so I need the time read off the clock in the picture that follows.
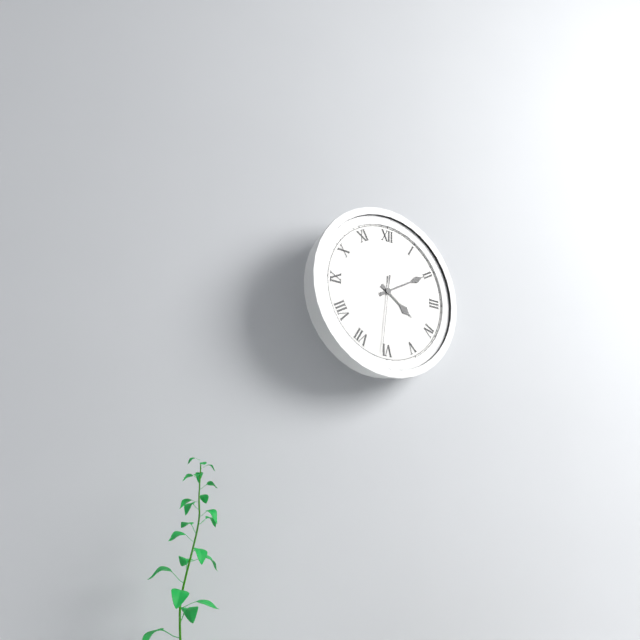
4:10:31
